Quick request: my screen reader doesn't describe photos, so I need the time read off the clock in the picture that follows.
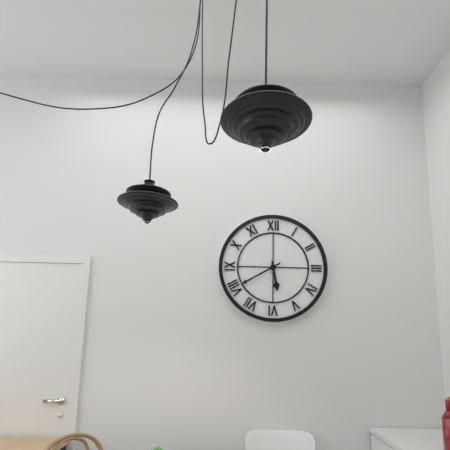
5:40
